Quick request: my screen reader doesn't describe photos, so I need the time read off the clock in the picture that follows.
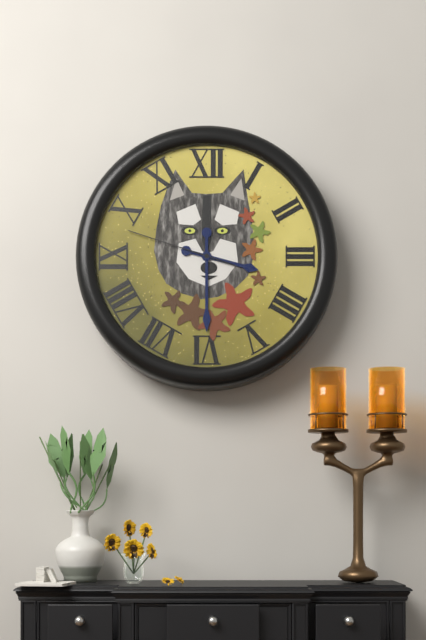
3:30:48
